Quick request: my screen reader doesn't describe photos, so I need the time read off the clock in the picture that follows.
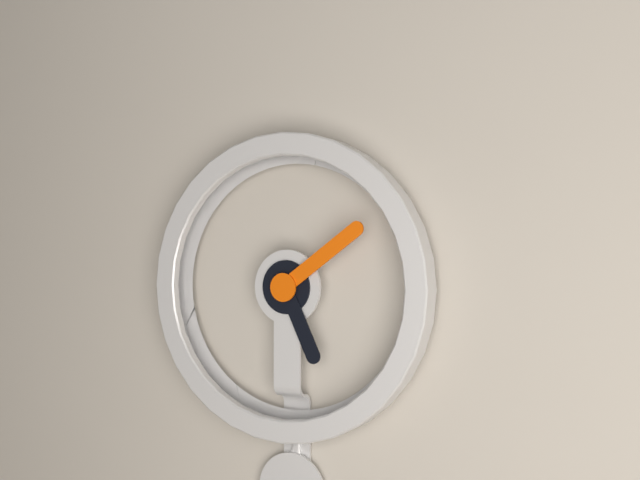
5:09
